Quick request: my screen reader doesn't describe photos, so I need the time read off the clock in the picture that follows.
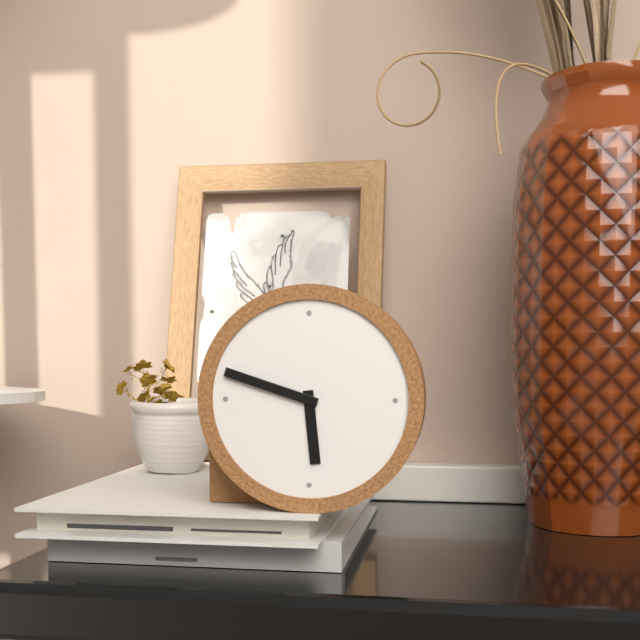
5:48
